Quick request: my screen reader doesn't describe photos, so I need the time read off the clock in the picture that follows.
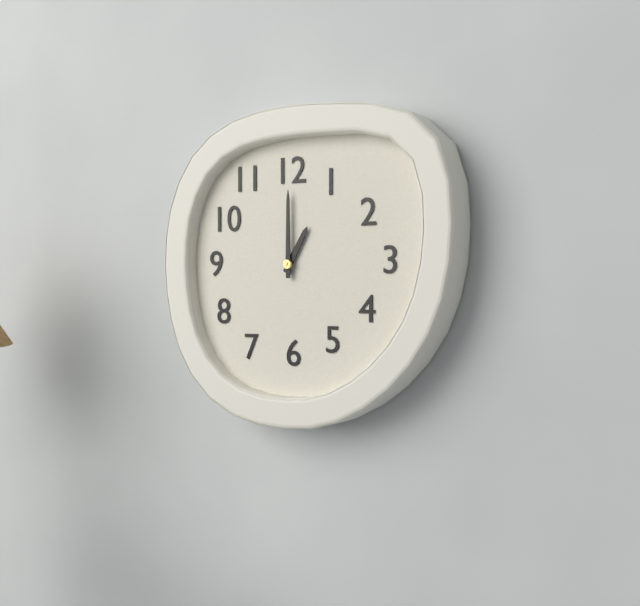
1:00
